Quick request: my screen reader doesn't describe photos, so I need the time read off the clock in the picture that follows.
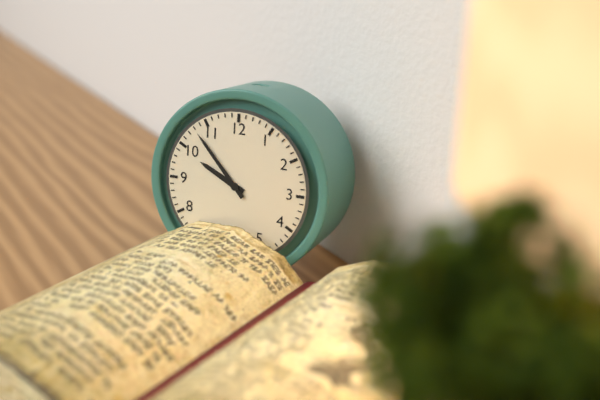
9:53
